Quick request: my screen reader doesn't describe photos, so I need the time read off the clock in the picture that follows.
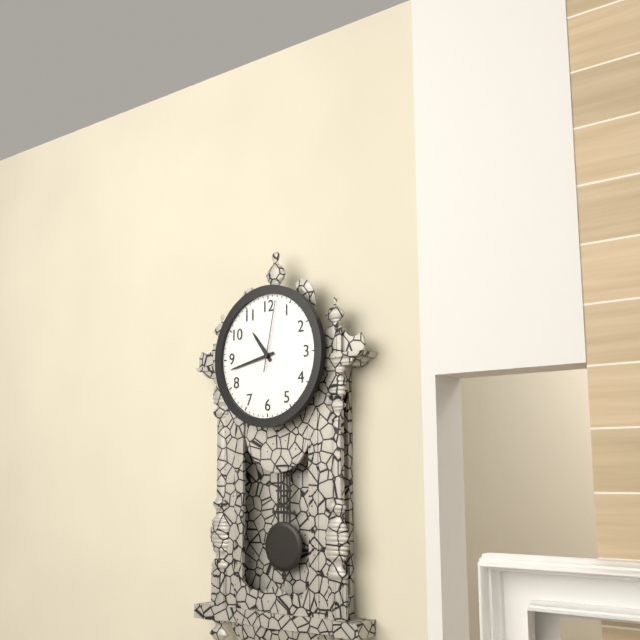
10:43:02
